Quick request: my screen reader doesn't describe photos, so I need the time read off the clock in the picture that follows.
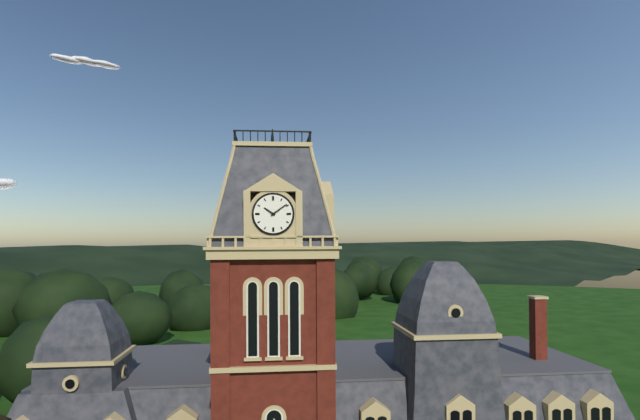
10:09
